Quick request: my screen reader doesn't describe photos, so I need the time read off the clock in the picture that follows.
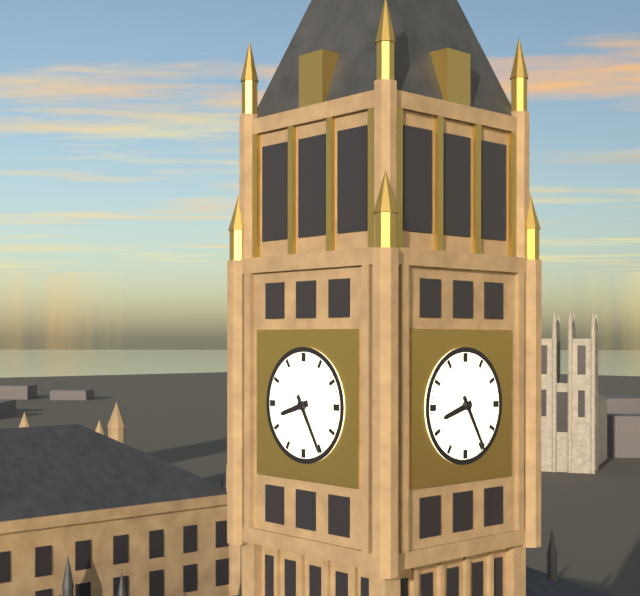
8:25
